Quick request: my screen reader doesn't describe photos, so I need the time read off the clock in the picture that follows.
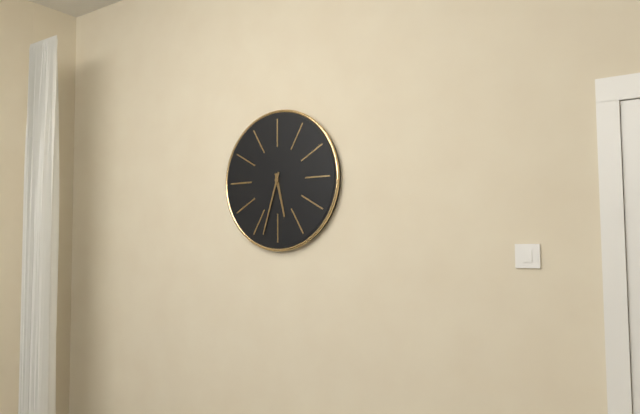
5:33
